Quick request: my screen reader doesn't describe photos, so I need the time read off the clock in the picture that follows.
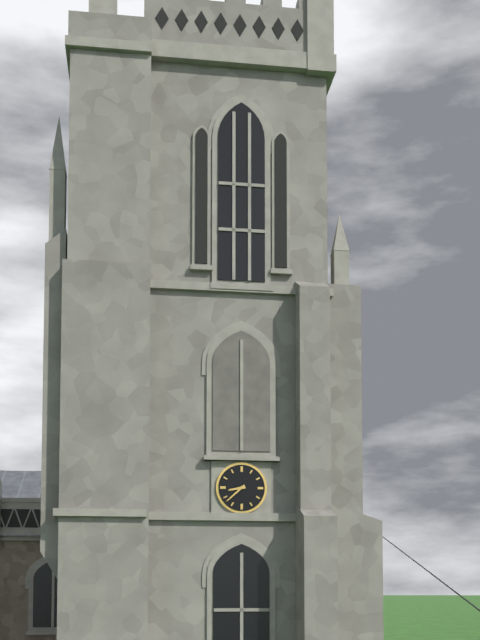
8:38
